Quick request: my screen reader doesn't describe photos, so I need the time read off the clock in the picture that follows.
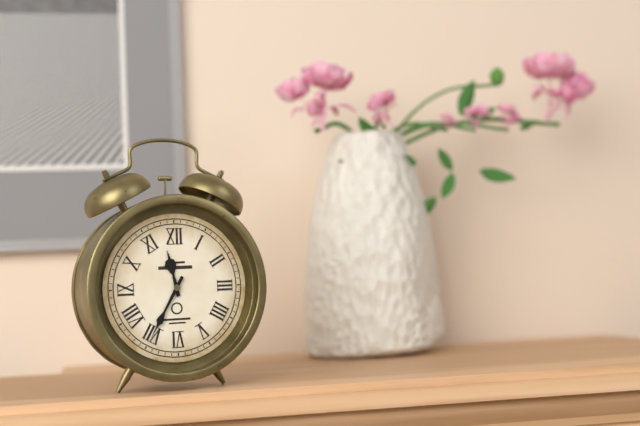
11:35
